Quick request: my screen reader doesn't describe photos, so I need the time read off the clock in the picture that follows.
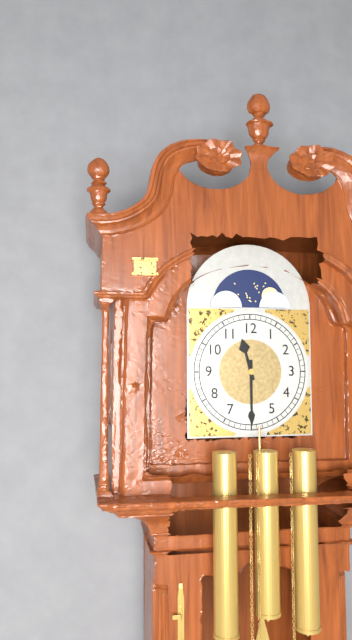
11:30
